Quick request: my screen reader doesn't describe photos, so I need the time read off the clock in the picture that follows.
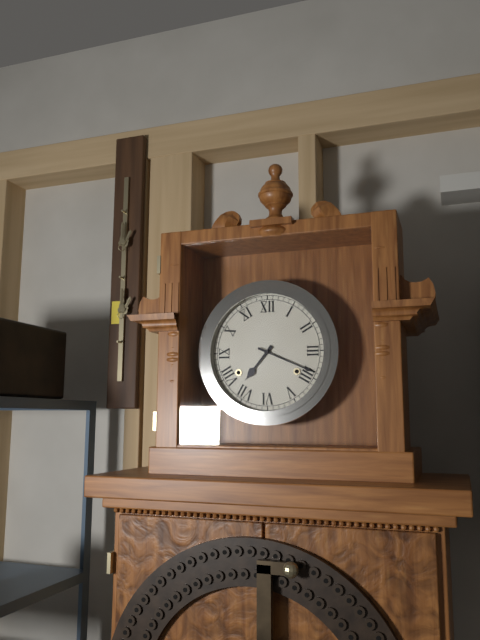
7:19
